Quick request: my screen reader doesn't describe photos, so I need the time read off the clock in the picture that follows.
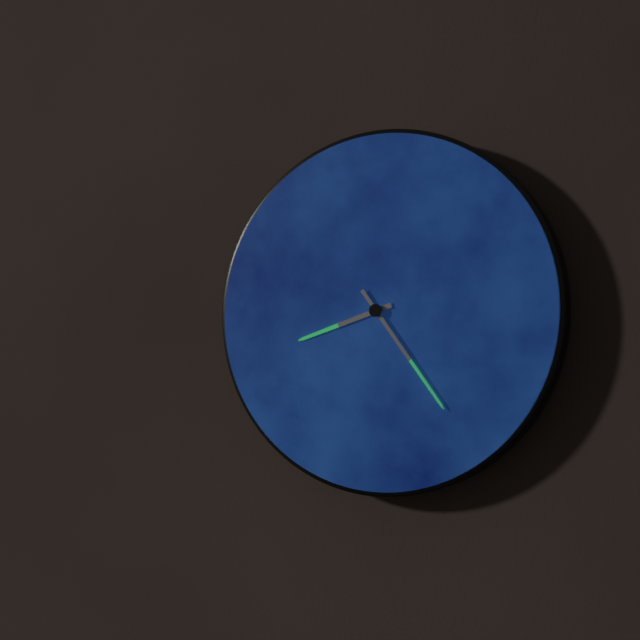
8:24
